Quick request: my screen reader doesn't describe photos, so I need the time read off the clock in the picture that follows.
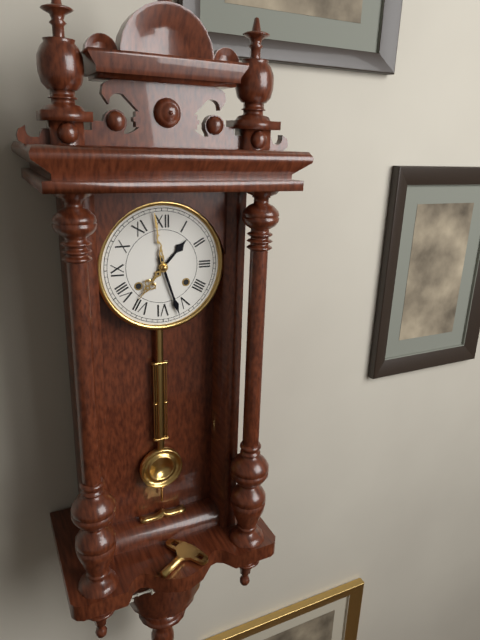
1:27
